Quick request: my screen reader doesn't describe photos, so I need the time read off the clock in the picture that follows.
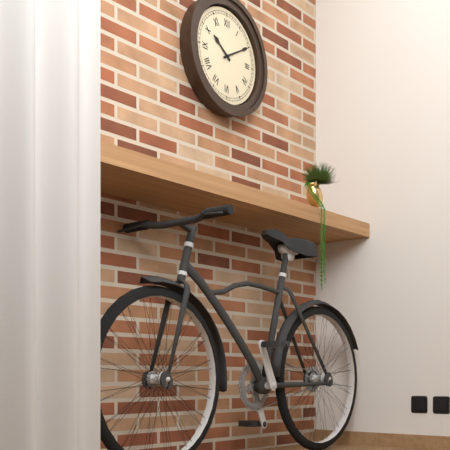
10:10
